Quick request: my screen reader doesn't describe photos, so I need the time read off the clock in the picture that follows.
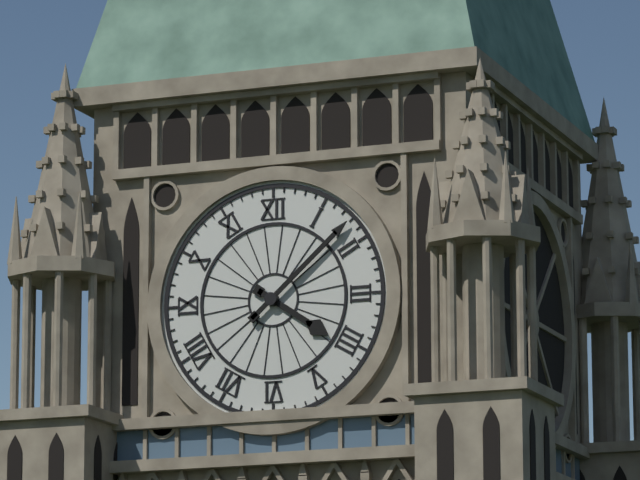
4:08
